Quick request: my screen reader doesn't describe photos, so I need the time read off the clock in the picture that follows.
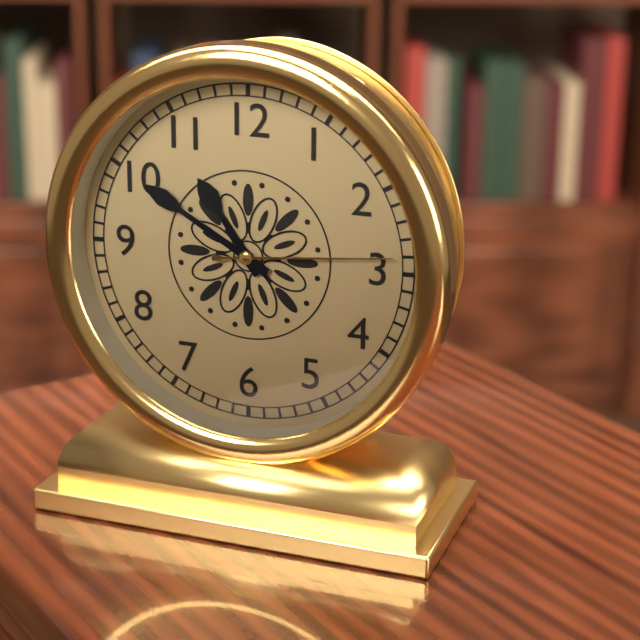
10:50:14
